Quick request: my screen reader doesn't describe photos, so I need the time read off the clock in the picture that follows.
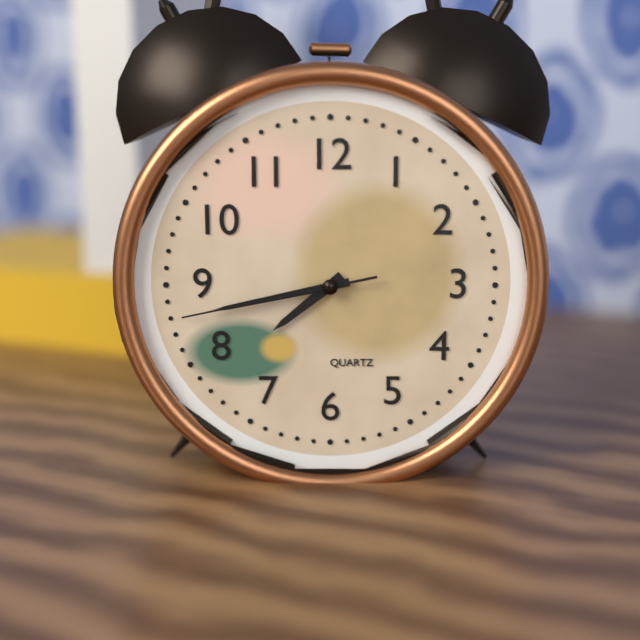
7:43:43
